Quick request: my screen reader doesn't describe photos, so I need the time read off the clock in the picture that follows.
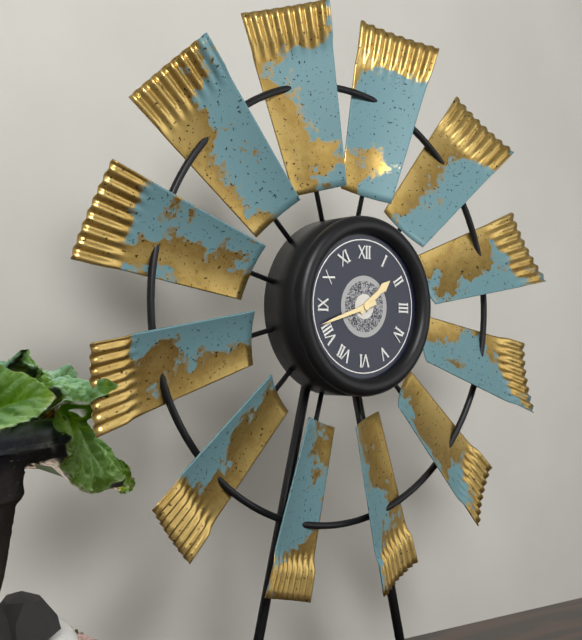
1:42
